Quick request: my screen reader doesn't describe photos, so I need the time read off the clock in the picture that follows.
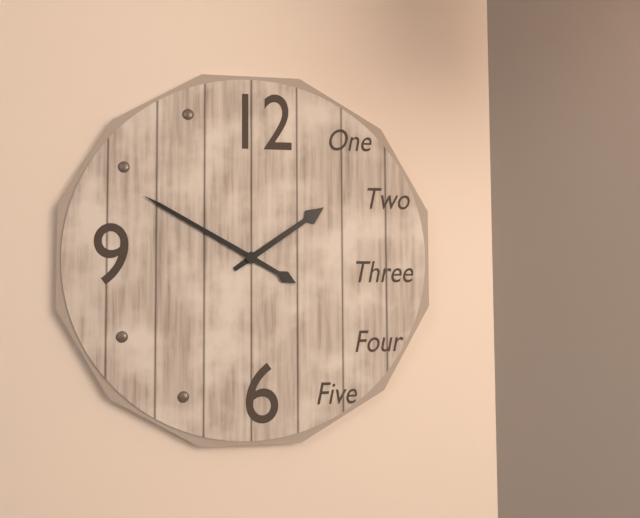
1:50
